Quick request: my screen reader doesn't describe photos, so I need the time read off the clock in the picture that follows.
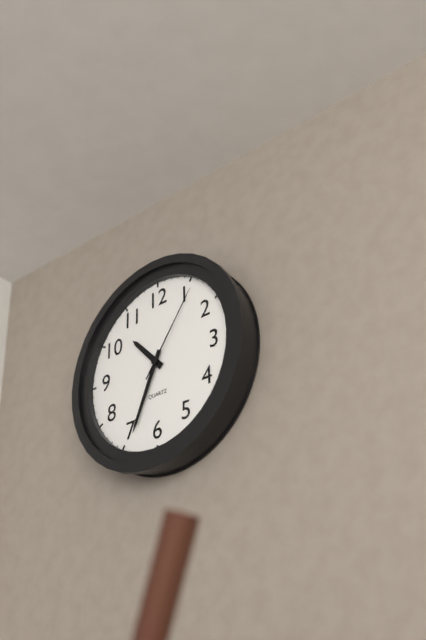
10:34:06
